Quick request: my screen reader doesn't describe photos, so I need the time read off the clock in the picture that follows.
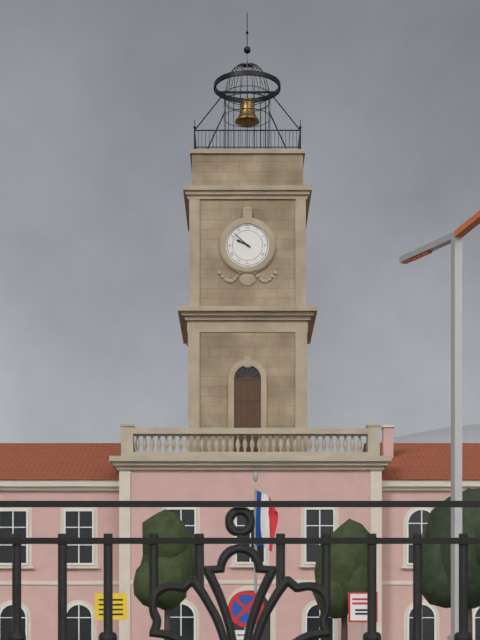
9:52
